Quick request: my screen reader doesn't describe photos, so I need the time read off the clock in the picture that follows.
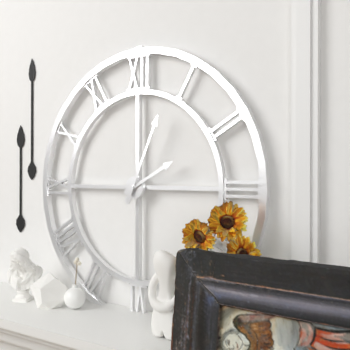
2:04
